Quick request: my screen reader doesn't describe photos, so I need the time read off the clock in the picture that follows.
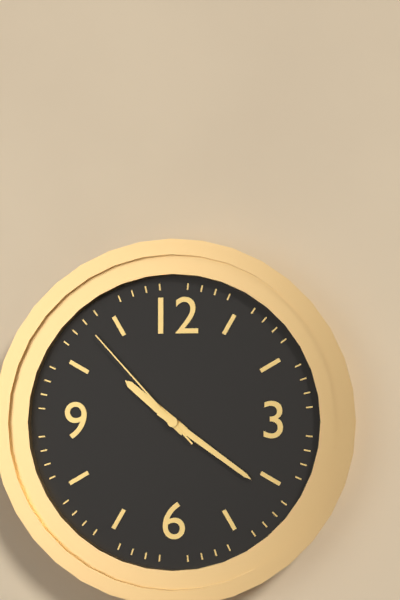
10:21:53
